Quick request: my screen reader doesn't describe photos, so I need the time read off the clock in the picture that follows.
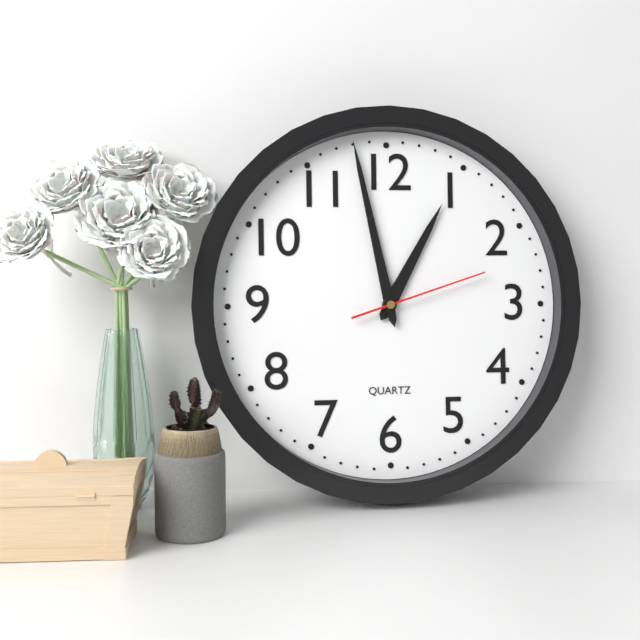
12:58:12
